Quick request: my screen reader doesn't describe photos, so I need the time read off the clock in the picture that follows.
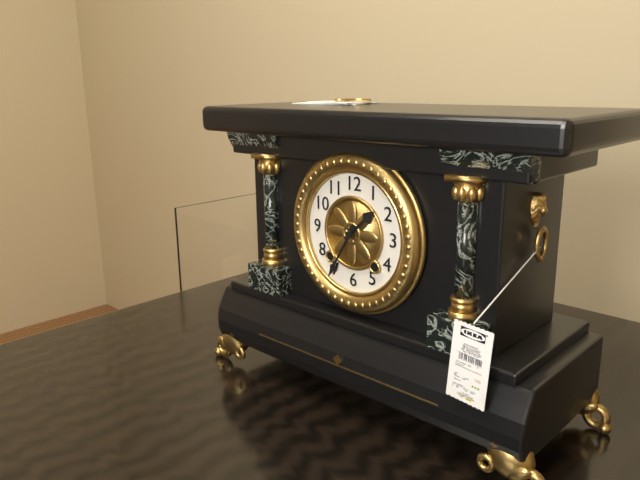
1:35
